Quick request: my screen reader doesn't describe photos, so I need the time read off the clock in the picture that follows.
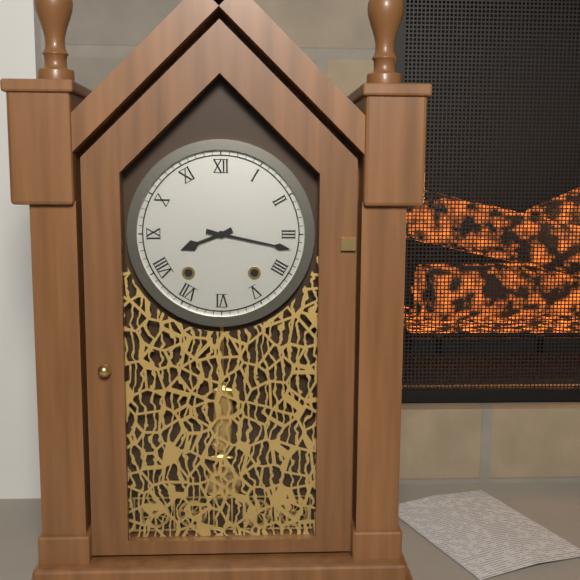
8:17
